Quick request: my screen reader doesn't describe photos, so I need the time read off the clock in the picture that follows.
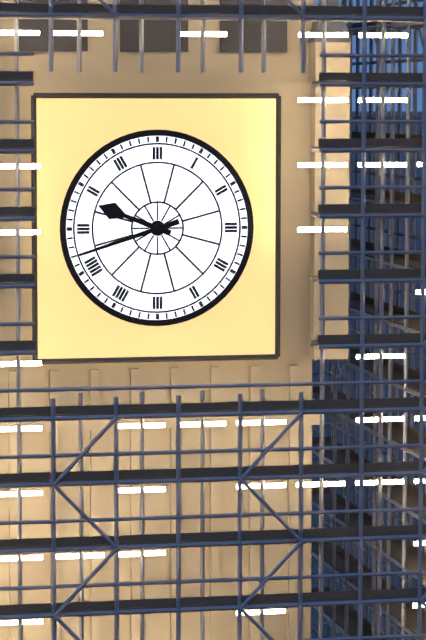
9:42
